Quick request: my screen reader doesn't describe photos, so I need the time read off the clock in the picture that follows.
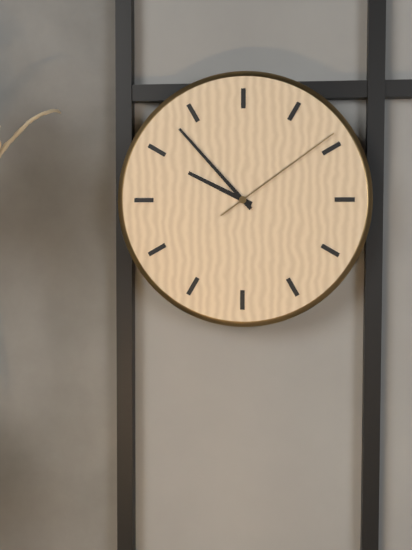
9:53:09
